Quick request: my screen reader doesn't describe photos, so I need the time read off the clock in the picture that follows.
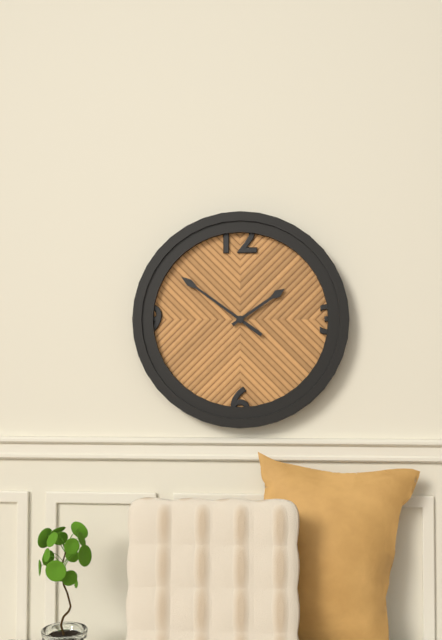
1:51
